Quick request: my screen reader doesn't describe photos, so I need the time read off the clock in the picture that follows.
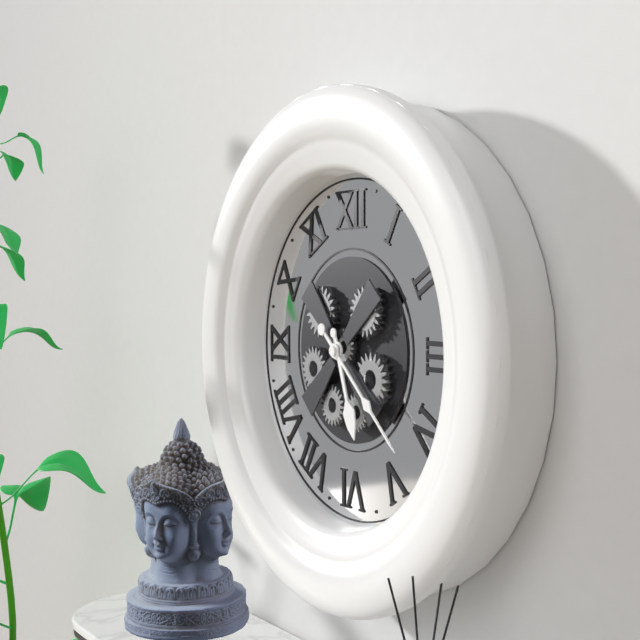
5:22
